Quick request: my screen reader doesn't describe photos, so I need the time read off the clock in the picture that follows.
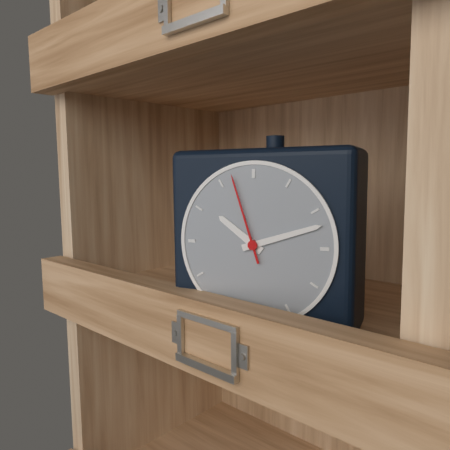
10:12:57
